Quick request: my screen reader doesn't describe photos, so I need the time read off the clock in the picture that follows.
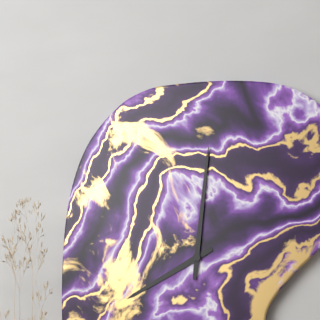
8:01
